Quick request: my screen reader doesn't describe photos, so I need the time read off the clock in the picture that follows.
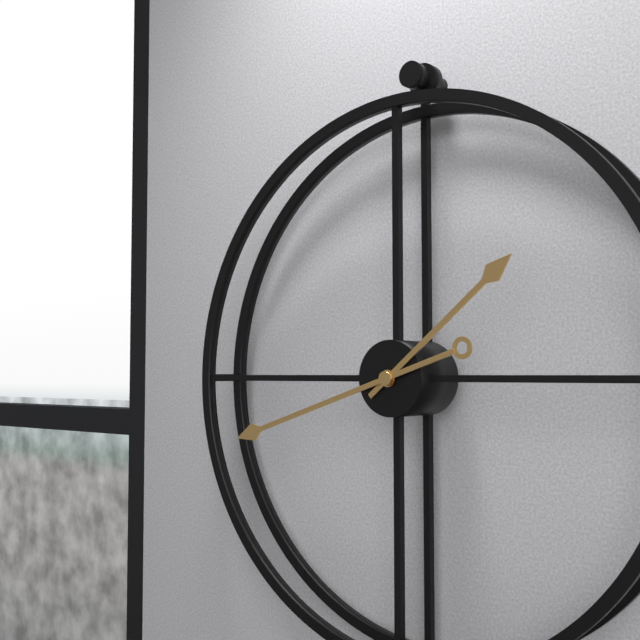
1:42
